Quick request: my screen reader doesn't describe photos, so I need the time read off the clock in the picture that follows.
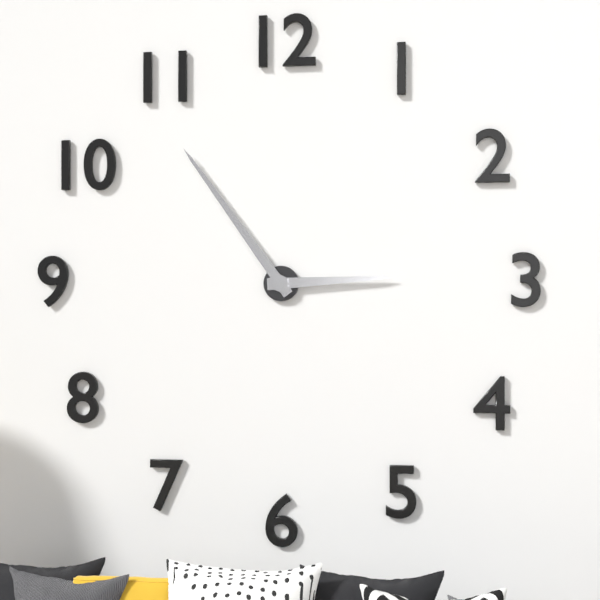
2:54
